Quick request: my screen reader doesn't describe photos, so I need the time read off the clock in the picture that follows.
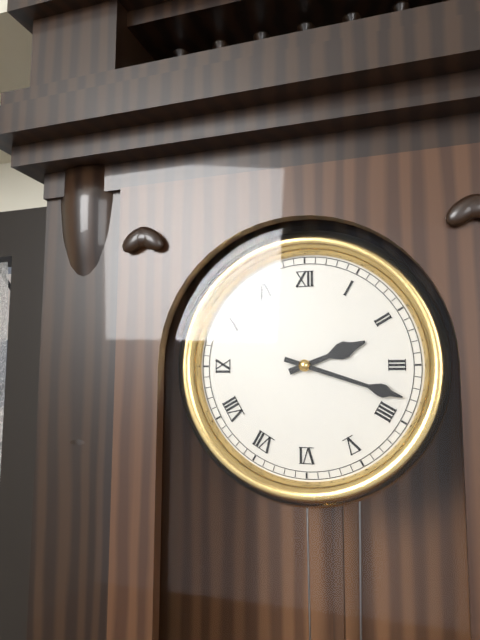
2:18
